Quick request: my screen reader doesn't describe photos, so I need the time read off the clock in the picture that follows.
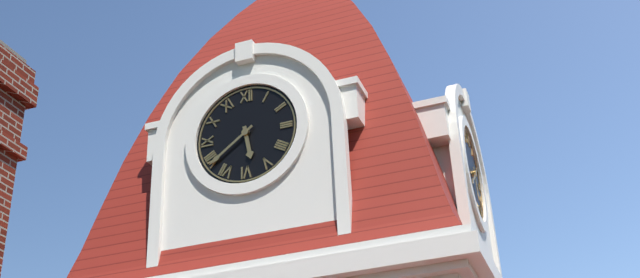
5:39
